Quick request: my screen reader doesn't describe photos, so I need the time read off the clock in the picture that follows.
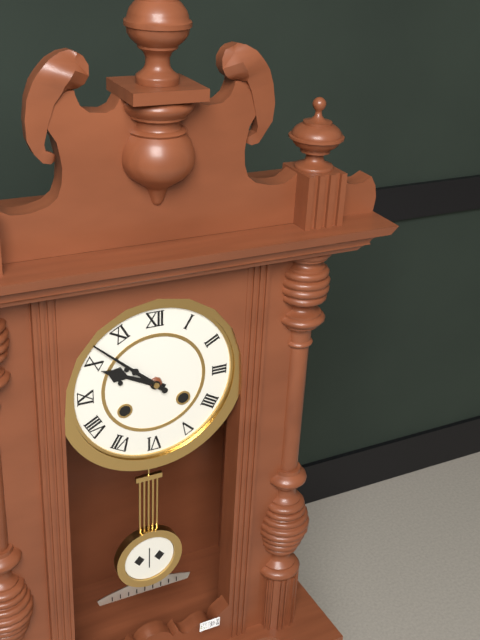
9:52
